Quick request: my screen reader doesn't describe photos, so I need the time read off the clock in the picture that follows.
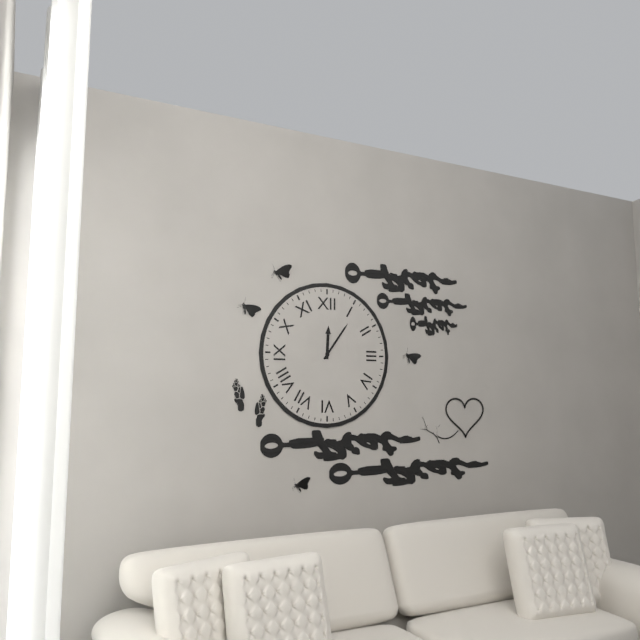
12:06
